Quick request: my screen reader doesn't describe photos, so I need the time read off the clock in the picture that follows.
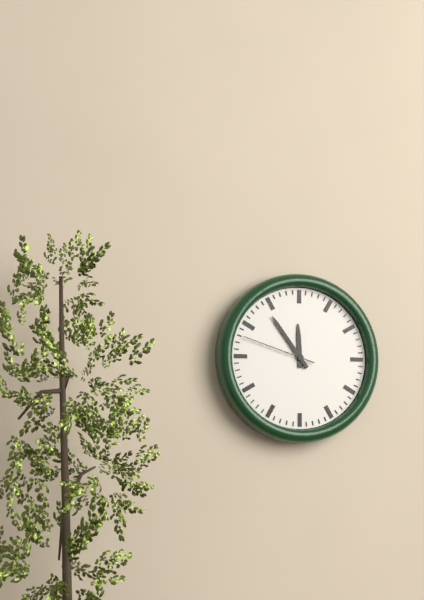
11:54:48
